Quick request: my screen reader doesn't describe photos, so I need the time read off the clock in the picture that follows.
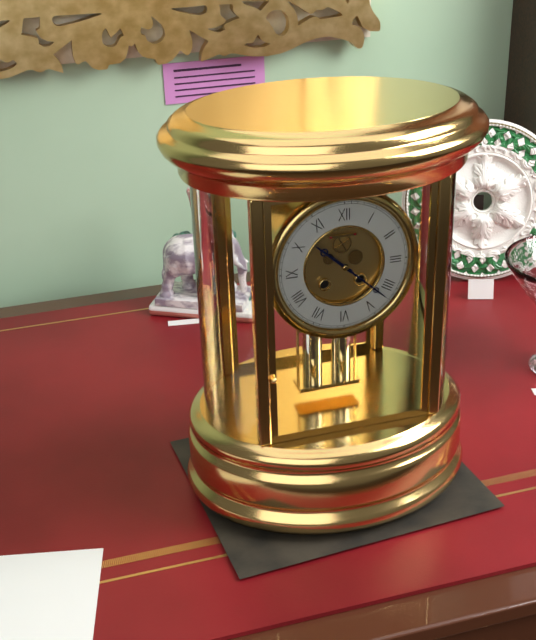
10:22
